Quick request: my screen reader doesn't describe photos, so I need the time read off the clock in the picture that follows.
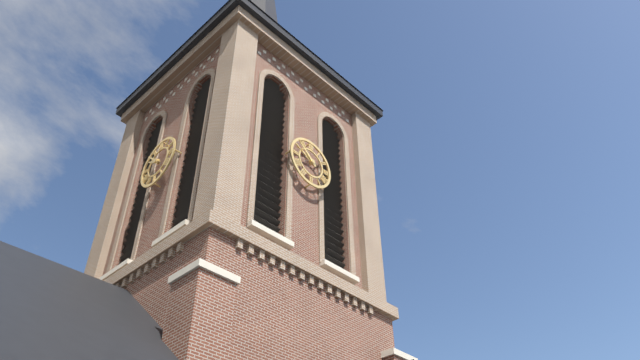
9:52
